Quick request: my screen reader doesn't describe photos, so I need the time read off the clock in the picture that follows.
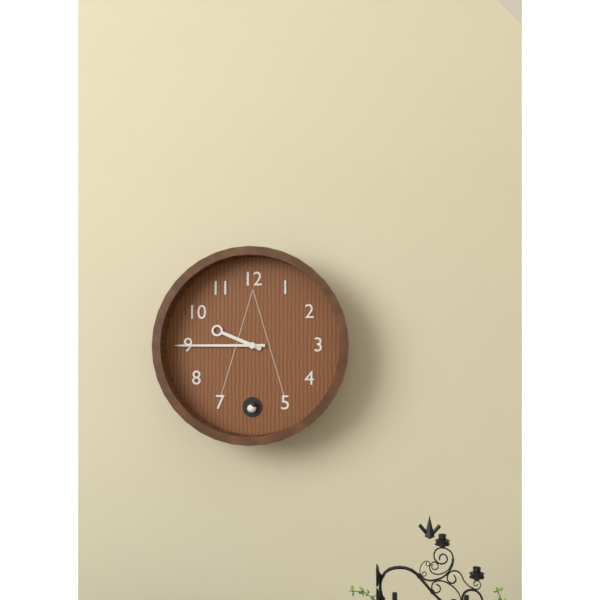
9:45
